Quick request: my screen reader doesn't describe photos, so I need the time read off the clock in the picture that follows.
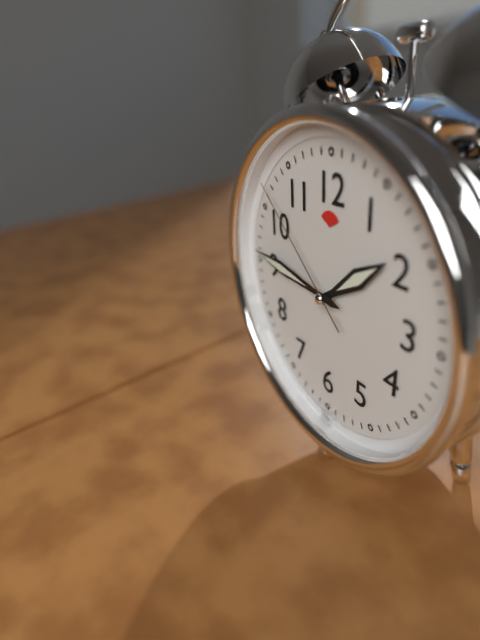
1:46:52
